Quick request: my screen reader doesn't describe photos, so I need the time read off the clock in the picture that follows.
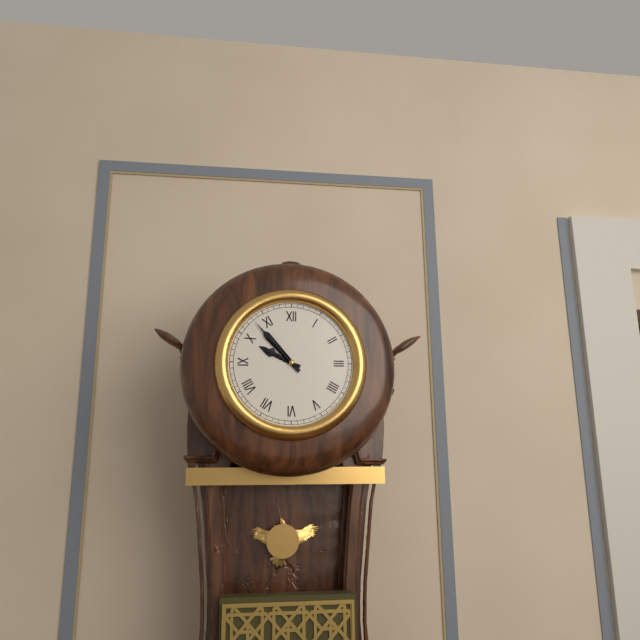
9:53
